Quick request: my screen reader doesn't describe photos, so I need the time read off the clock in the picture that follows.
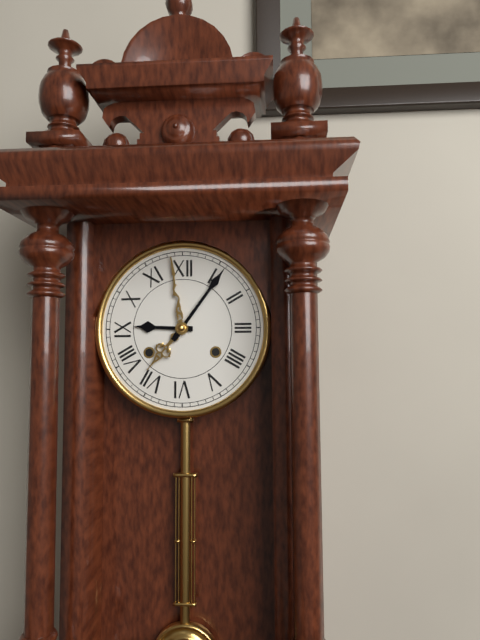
9:06
